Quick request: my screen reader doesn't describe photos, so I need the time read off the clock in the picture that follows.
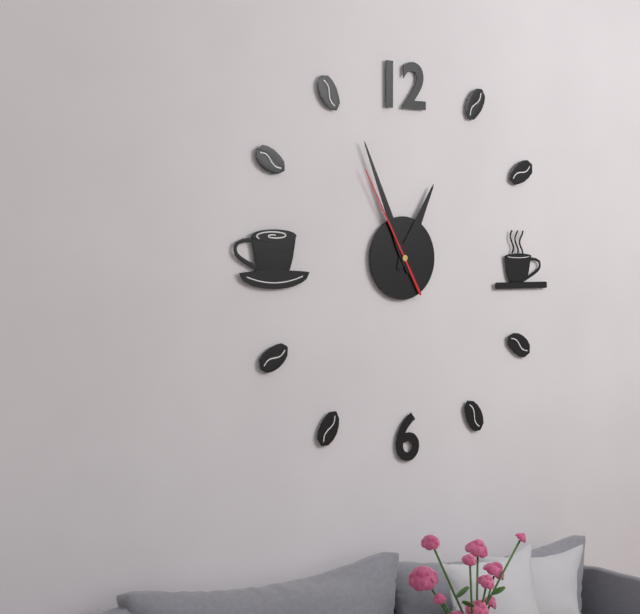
12:56:55
